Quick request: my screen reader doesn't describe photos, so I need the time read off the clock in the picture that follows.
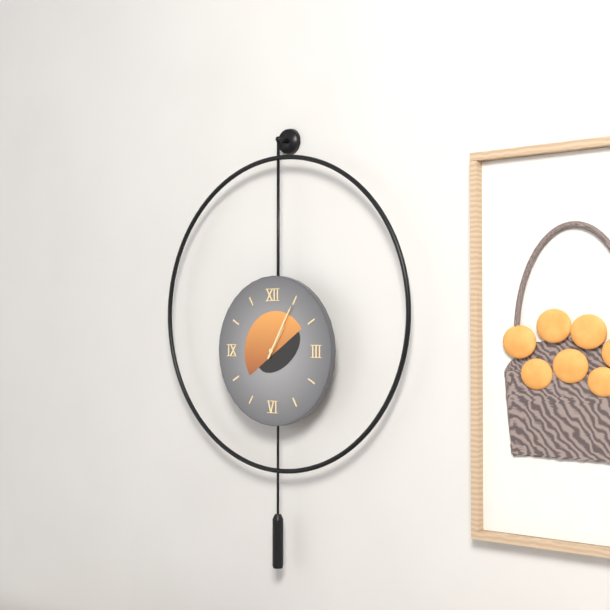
1:05
